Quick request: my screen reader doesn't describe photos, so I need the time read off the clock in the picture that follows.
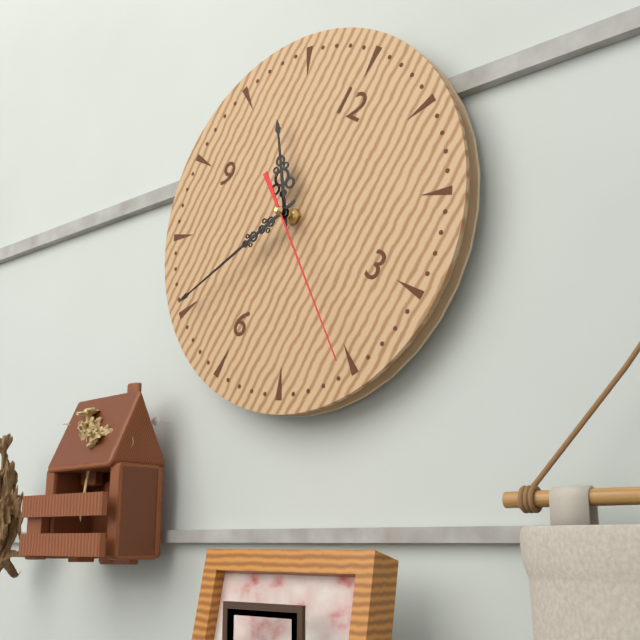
10:35:20
